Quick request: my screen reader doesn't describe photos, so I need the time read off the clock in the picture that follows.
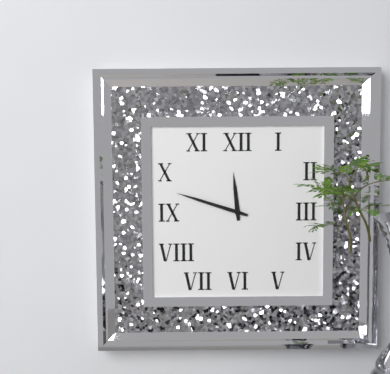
11:48
